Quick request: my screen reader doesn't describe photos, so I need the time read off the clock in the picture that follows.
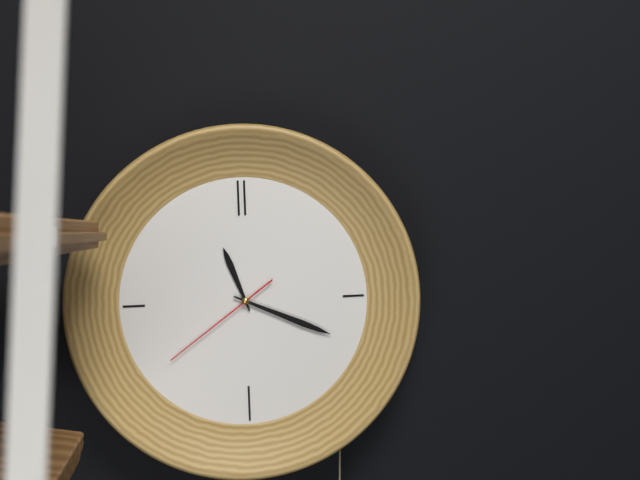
11:19:39
